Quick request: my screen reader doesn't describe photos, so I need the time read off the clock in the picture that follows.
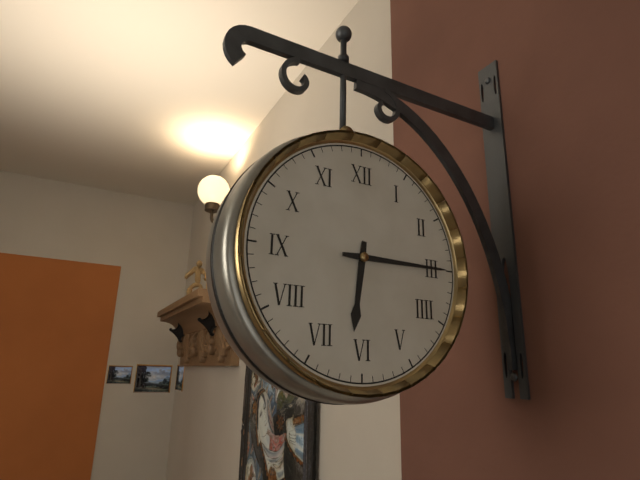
6:15
